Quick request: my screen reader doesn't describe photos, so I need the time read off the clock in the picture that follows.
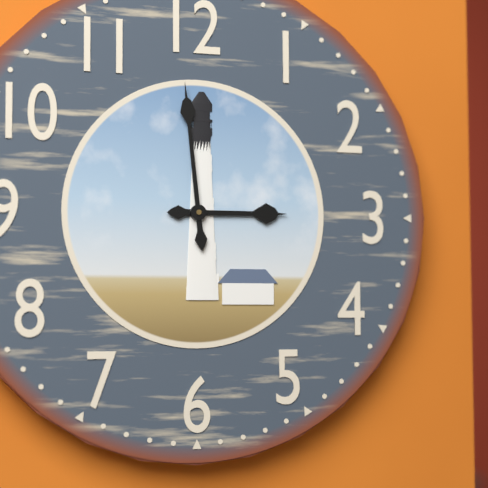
2:59
